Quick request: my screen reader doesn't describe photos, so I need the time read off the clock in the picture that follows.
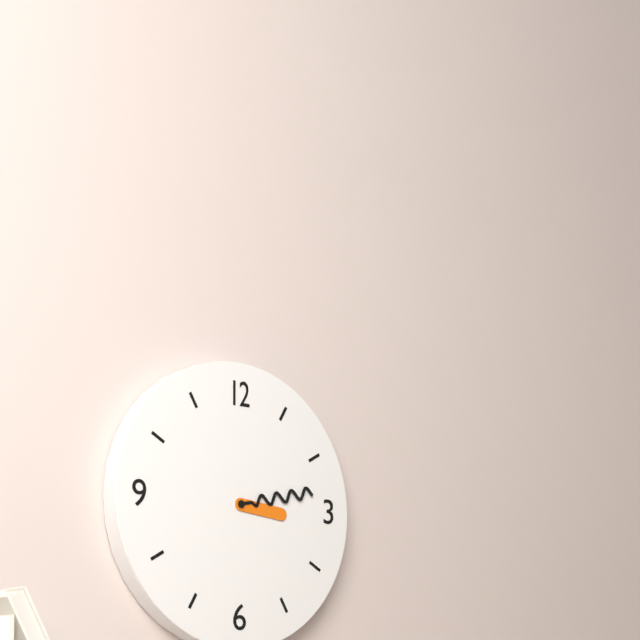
3:13
